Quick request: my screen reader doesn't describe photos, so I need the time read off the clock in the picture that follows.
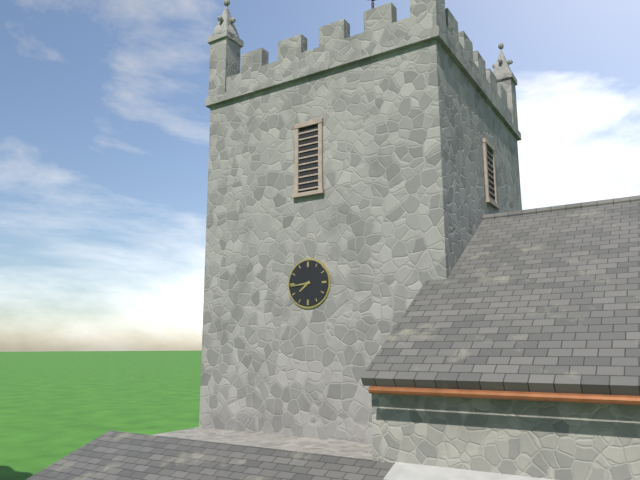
7:44
